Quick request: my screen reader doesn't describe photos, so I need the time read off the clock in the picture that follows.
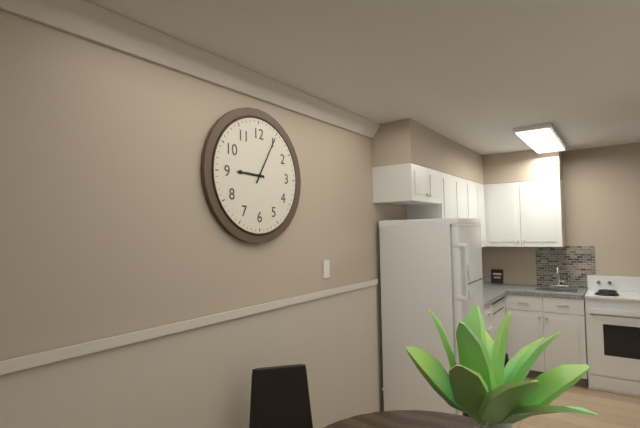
9:05
